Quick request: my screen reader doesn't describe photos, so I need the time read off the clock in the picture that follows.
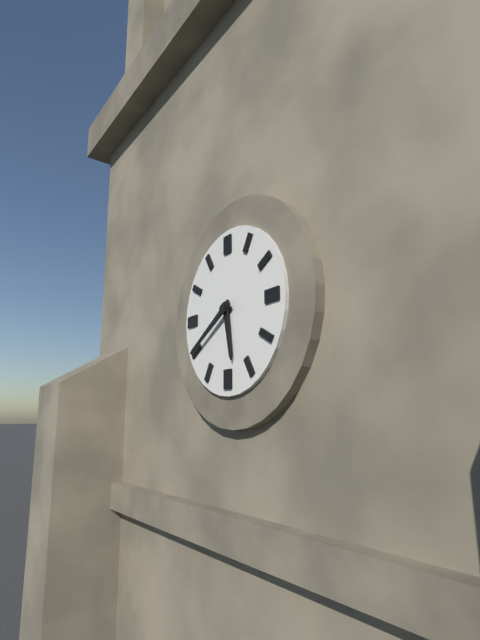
5:40
